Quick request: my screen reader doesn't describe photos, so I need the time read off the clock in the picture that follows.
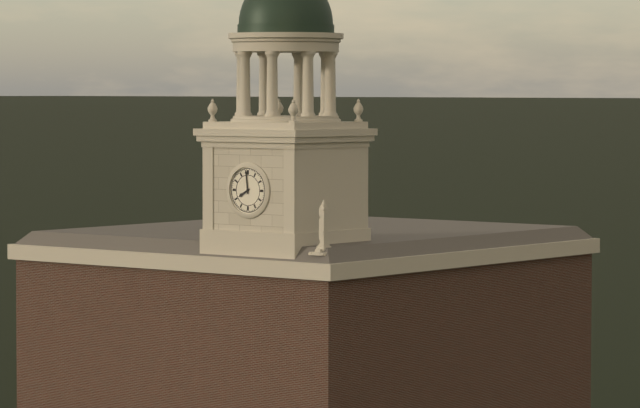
7:59
